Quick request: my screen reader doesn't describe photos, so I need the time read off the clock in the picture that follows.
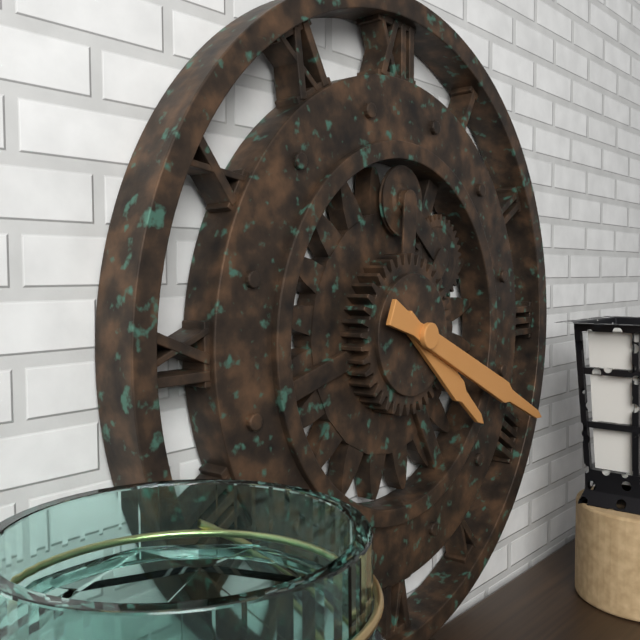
4:19
